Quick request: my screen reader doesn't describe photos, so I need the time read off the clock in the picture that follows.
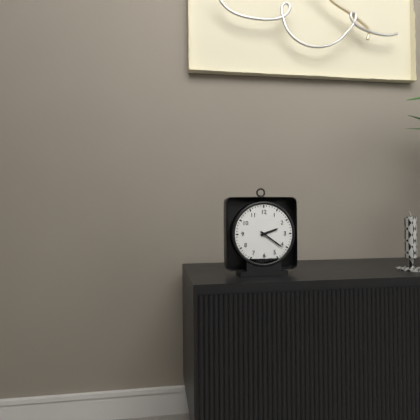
2:21
